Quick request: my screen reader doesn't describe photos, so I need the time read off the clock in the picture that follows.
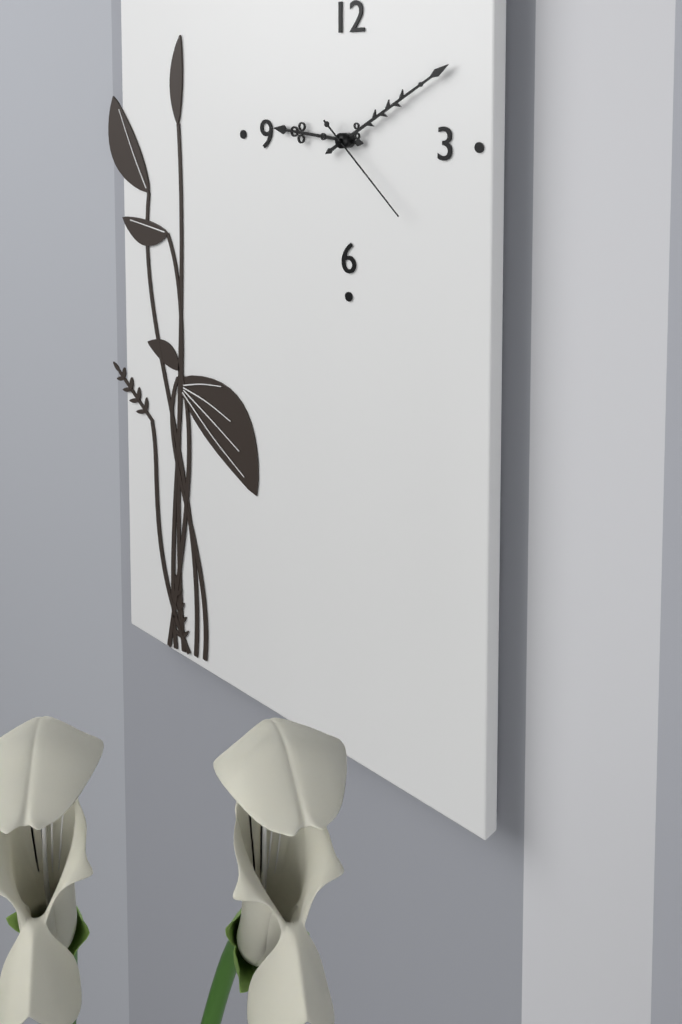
9:10:22
